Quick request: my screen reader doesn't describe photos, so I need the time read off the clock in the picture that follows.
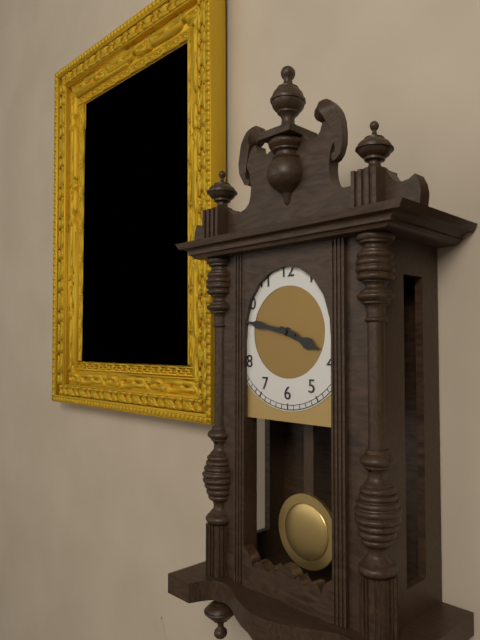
3:47
